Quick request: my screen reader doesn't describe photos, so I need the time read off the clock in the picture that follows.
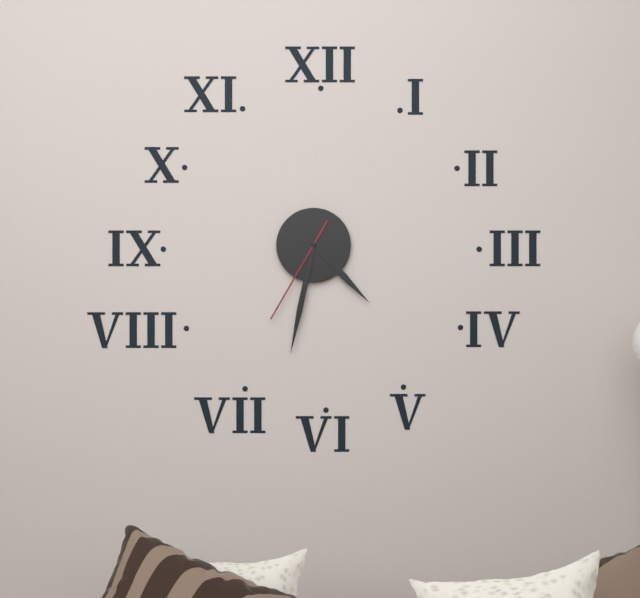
4:32:35
